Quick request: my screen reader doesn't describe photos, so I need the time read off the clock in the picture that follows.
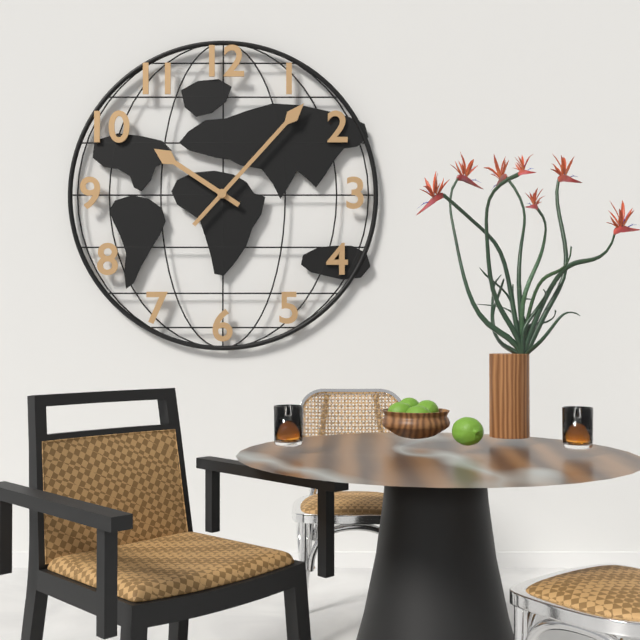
10:07
